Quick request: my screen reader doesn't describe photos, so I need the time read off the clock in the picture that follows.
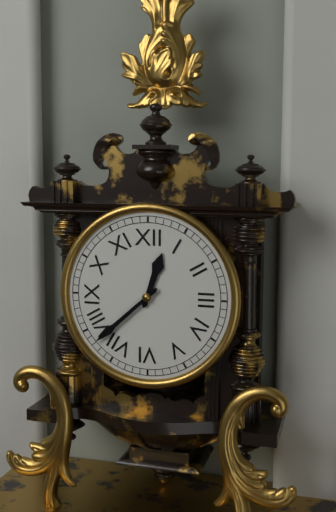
12:38
